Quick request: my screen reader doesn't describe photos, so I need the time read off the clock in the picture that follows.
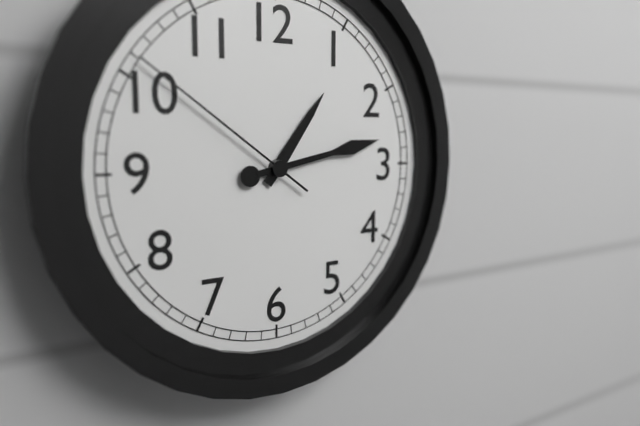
1:13:51
